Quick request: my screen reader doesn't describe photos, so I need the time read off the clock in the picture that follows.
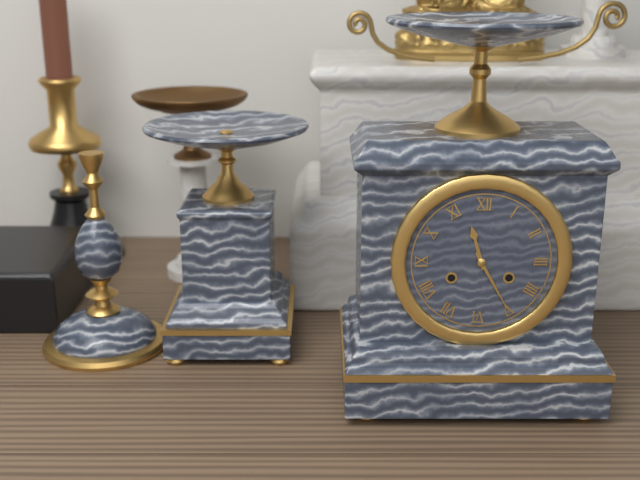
11:25
